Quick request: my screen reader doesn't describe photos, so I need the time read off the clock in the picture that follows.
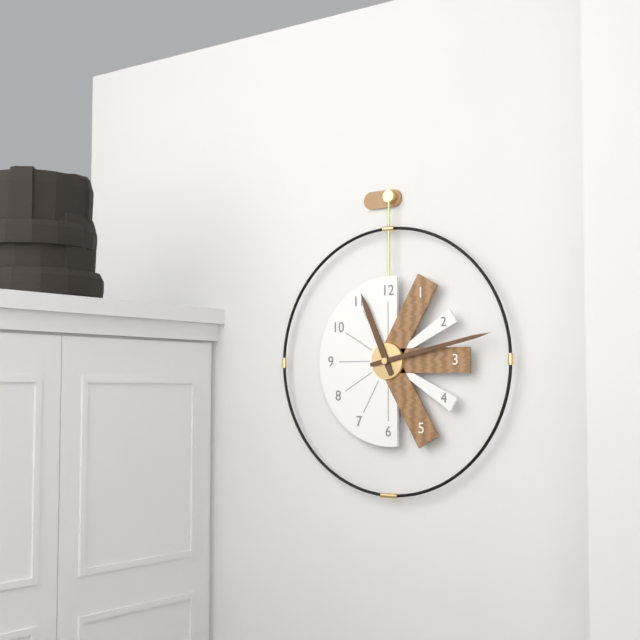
11:13
